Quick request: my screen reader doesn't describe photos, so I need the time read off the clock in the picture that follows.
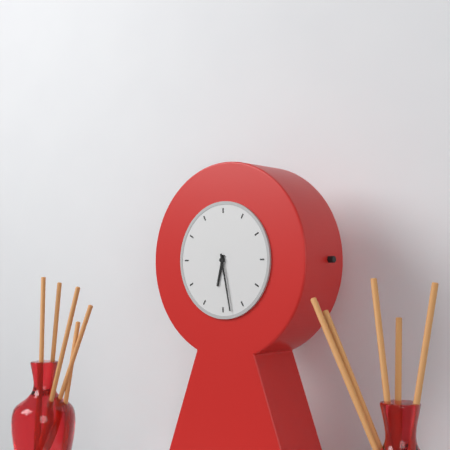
6:28
